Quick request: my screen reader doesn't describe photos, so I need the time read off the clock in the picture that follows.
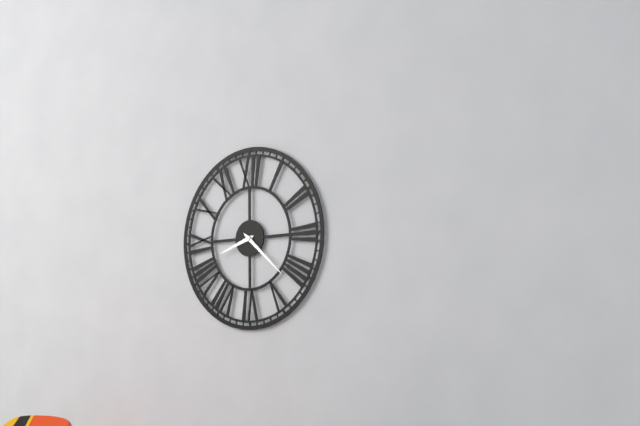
8:22
